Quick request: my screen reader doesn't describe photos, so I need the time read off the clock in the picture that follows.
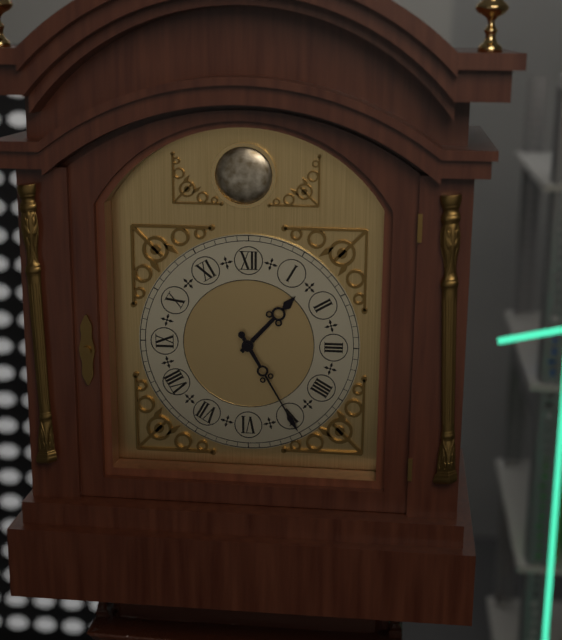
1:25
